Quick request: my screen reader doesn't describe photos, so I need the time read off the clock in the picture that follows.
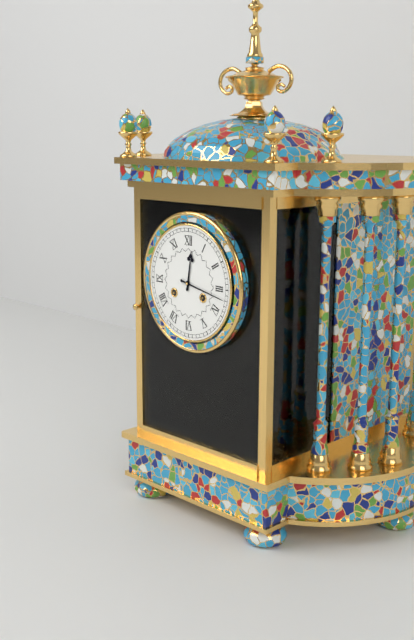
12:17
